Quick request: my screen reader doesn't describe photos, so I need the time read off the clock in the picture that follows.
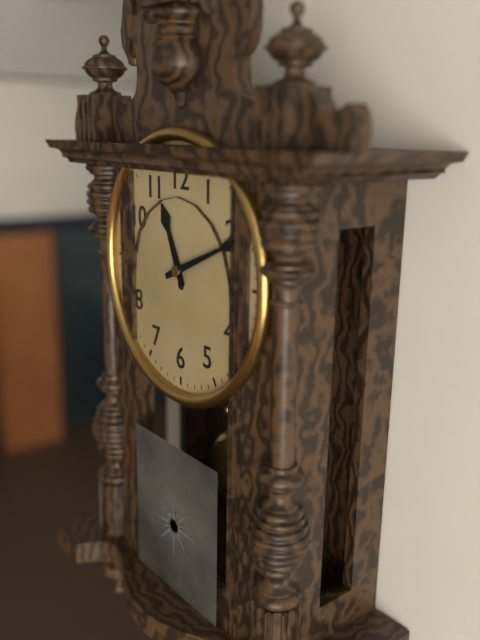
11:11
